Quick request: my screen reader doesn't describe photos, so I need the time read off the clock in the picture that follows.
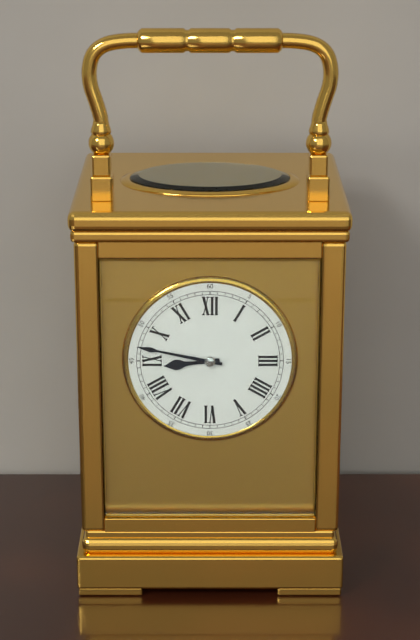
8:47
